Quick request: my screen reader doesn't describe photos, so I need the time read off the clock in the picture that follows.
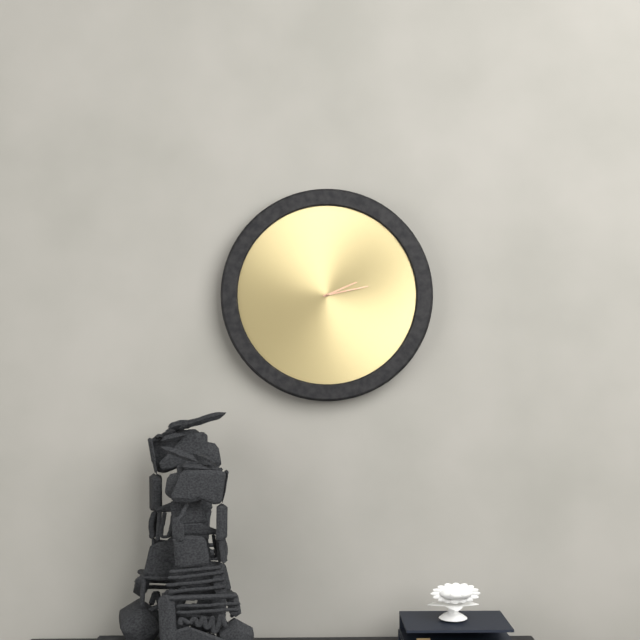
2:13
